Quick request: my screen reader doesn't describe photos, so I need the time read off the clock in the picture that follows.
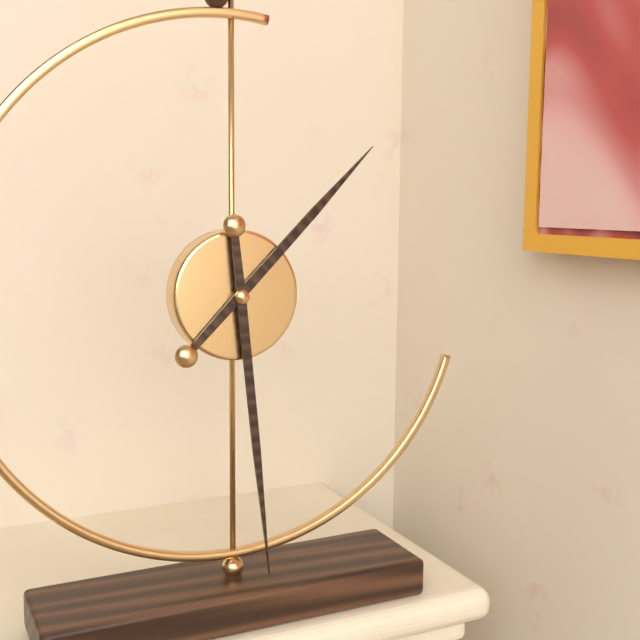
1:29
